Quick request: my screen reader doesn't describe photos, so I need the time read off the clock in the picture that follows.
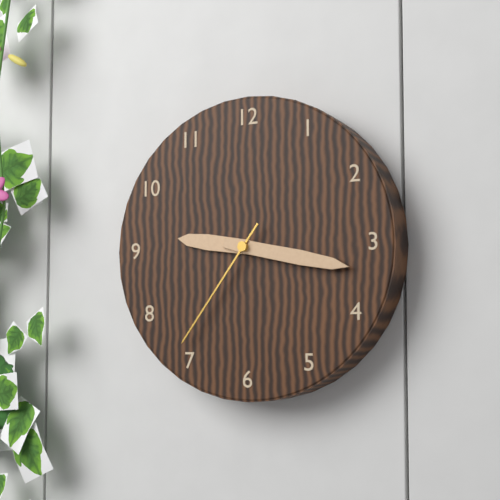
9:17:36
